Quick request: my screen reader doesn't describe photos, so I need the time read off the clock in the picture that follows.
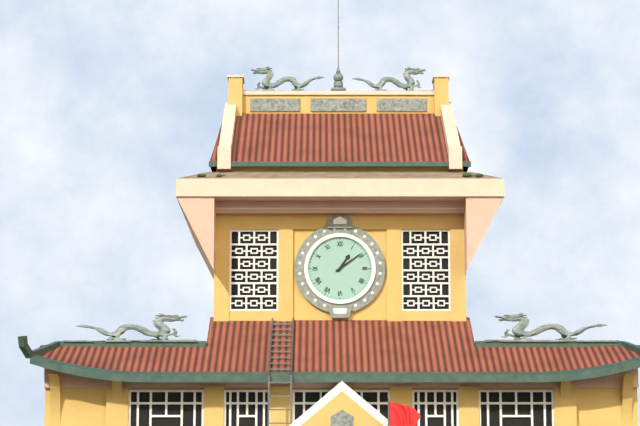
1:09
